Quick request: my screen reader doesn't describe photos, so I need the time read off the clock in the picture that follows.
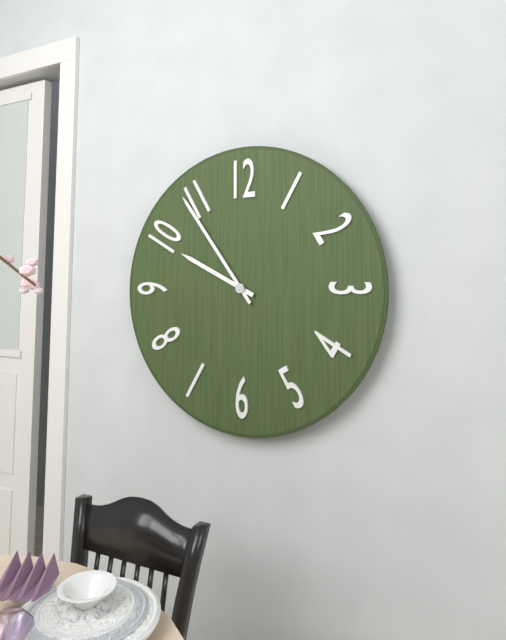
9:54
